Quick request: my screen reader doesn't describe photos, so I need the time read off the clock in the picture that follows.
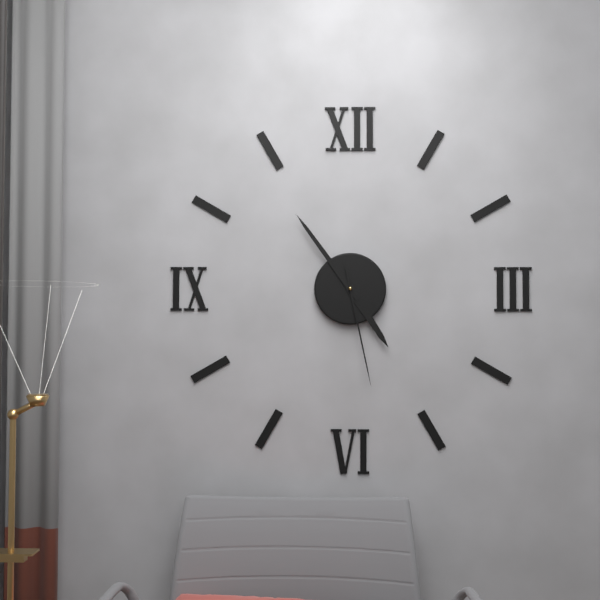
4:54:28
